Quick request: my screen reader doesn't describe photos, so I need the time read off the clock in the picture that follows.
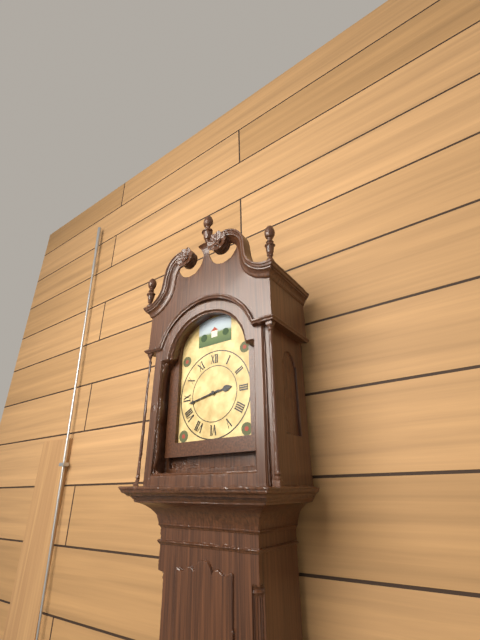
2:43
